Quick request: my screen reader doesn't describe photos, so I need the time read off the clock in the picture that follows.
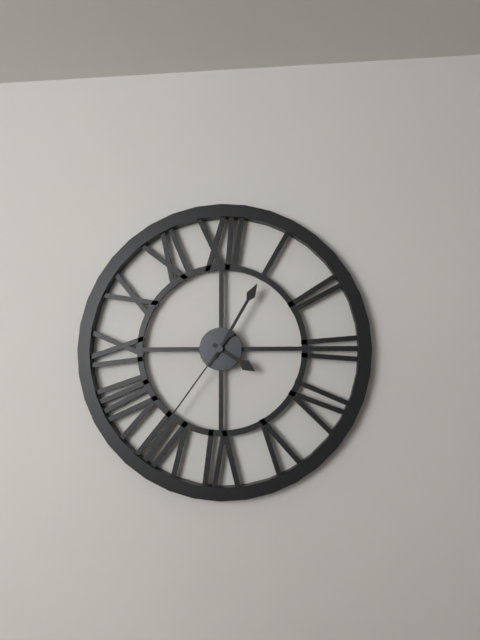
4:05:36
